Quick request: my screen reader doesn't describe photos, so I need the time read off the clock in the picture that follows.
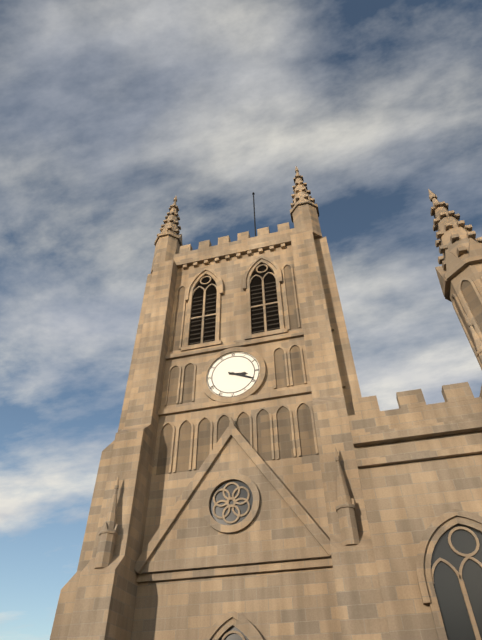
3:19
